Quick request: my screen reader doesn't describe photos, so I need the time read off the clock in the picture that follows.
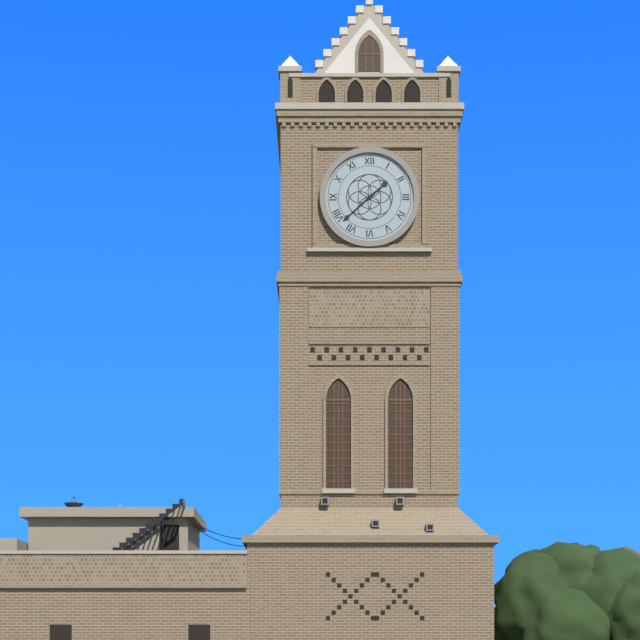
1:38
